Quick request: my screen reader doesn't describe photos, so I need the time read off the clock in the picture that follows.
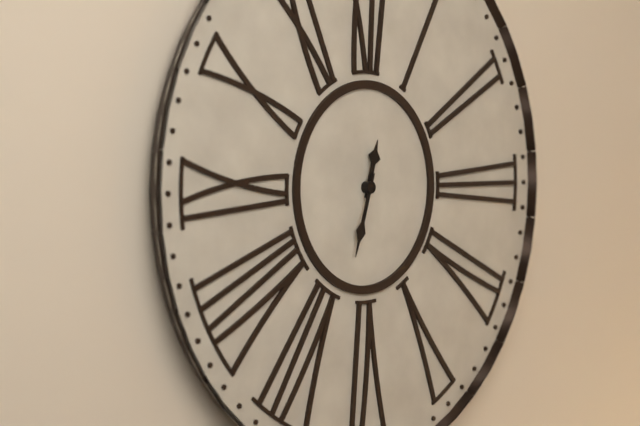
12:33
